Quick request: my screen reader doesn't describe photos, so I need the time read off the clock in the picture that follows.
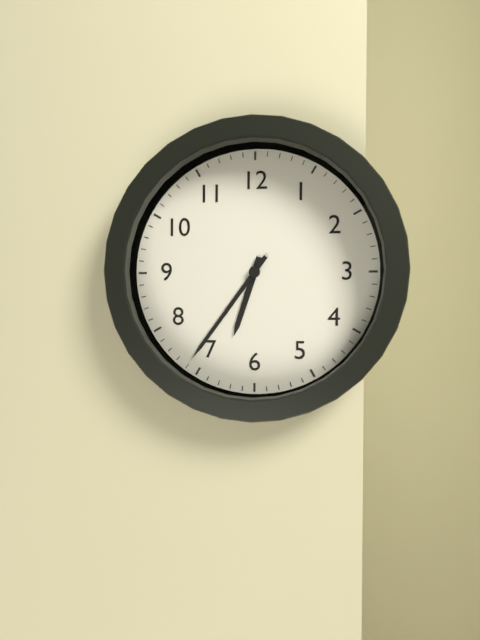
6:36
